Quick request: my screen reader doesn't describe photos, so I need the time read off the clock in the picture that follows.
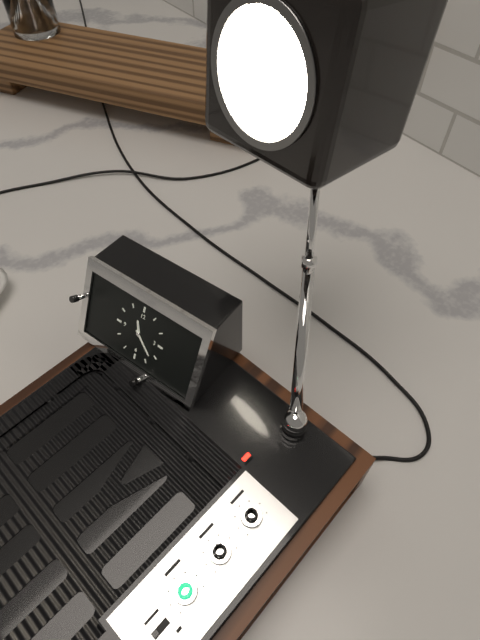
11:22
